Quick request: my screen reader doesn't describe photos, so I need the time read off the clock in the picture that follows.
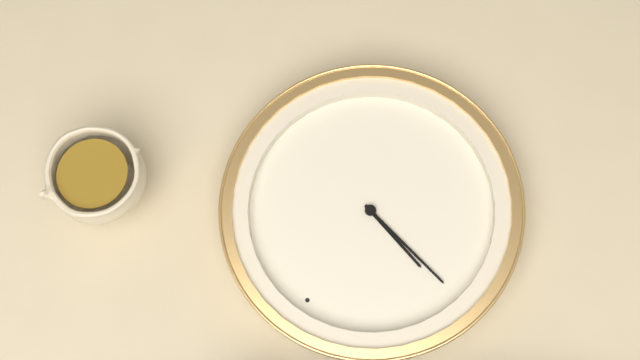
8:43
